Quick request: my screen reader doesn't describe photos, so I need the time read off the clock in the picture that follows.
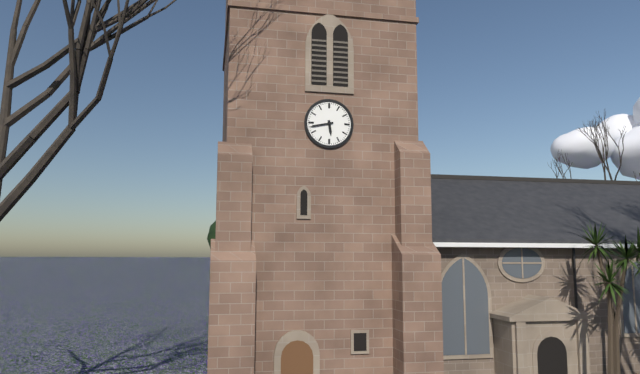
5:43
